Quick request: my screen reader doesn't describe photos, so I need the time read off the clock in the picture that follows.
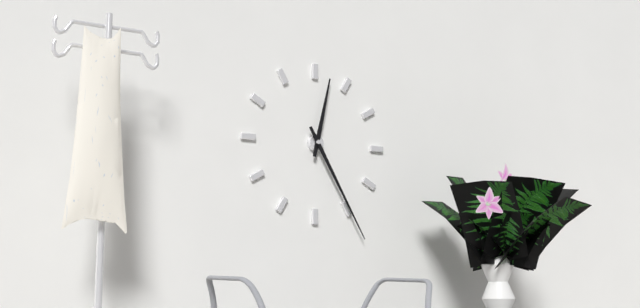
12:25
